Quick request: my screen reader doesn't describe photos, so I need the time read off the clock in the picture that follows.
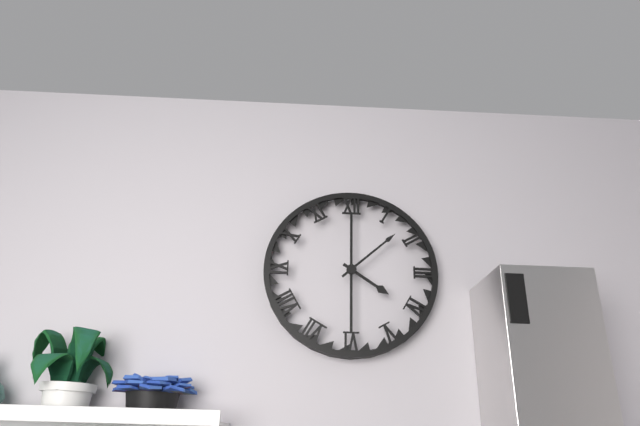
4:08
